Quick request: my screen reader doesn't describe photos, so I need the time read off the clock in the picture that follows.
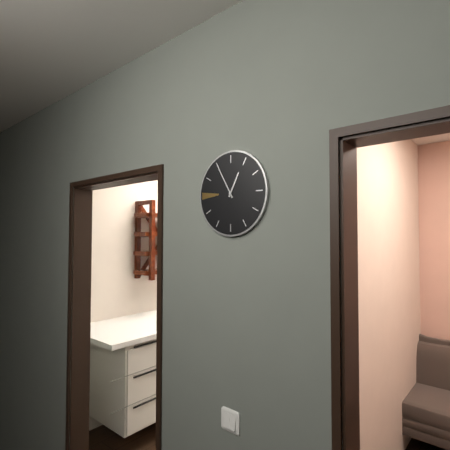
12:55
